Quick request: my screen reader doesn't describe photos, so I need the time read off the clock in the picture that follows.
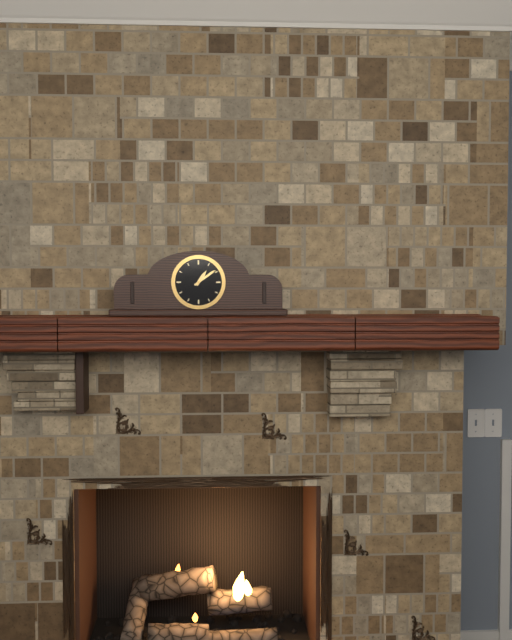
1:09
